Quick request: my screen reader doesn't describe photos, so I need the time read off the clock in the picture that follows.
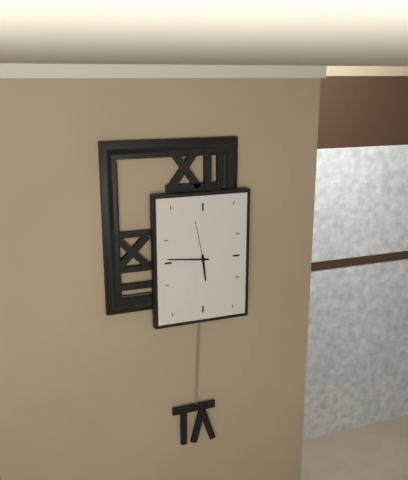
5:46:58
